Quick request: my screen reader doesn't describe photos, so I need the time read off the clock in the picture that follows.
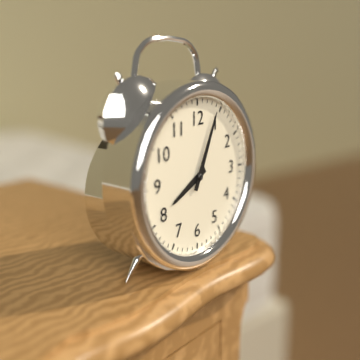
8:04
